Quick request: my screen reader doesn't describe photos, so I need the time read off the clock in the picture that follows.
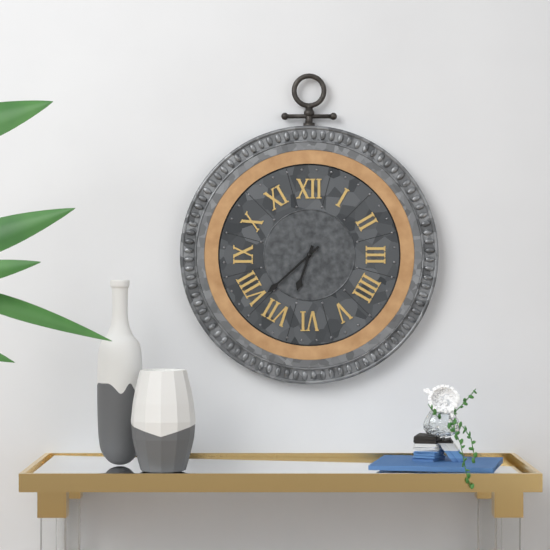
6:38
